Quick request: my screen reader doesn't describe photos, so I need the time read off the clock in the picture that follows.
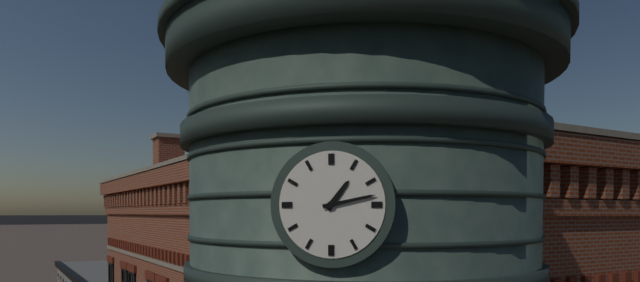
1:13
